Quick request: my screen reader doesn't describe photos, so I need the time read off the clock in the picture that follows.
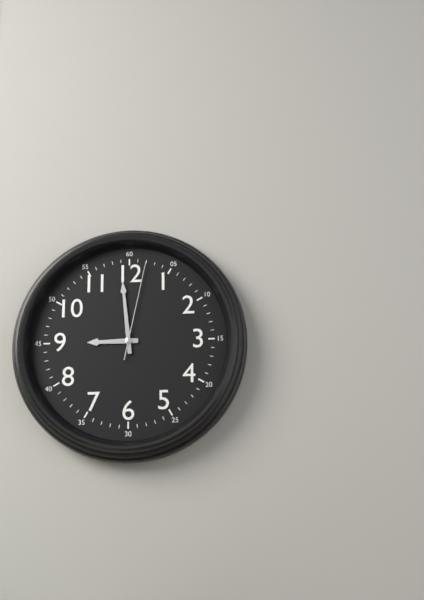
8:59:02
